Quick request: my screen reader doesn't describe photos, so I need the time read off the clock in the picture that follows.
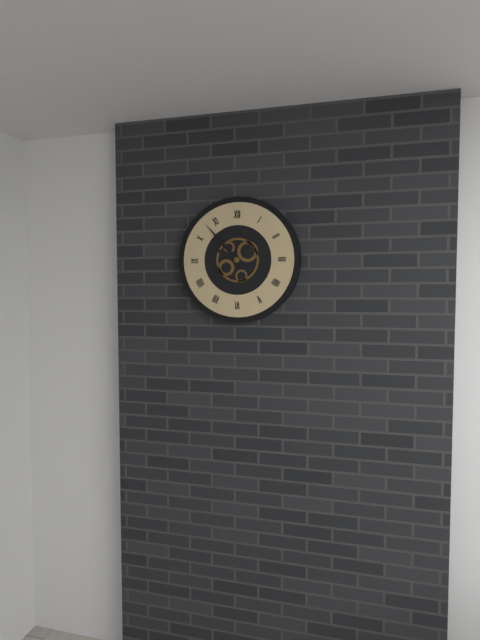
9:53
